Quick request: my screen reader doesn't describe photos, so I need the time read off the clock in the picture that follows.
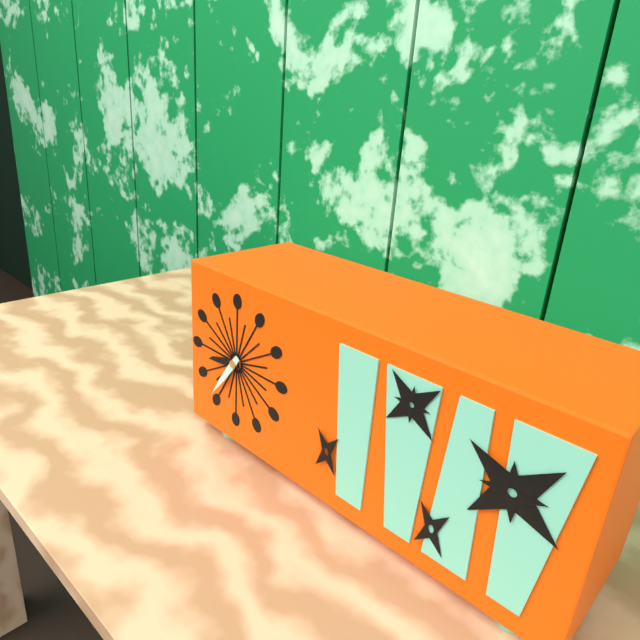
8:36
